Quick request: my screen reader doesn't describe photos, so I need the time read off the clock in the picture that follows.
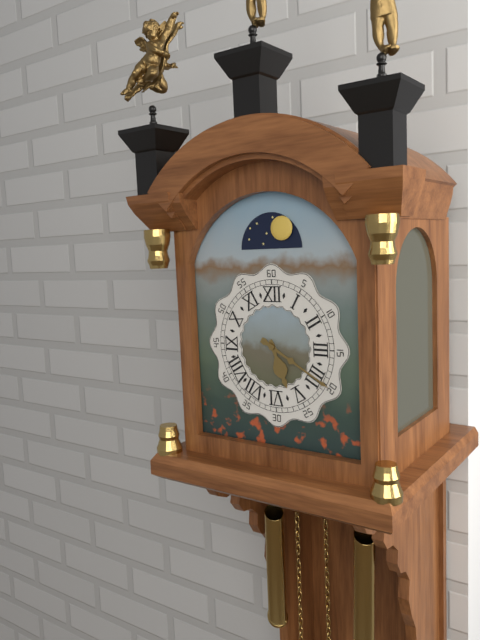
5:20
